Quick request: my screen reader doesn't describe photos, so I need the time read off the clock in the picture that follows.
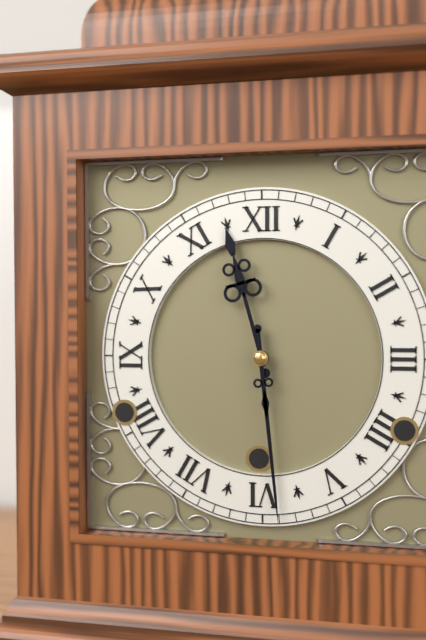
11:29
